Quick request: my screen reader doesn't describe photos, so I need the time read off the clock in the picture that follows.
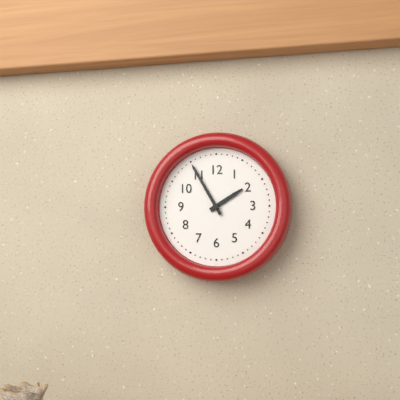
1:55
